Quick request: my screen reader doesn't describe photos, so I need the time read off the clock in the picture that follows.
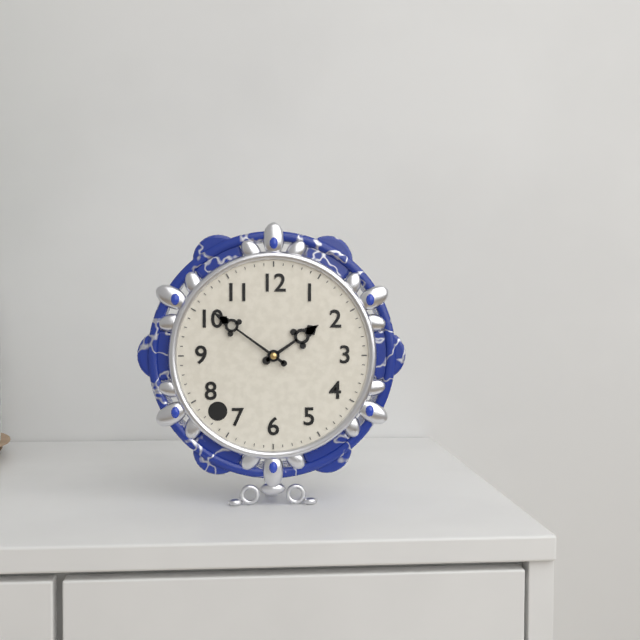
1:51
